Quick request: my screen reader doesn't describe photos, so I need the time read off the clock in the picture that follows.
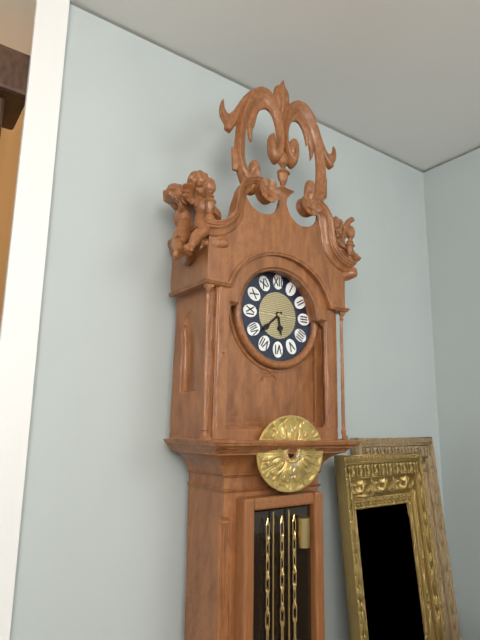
5:38
